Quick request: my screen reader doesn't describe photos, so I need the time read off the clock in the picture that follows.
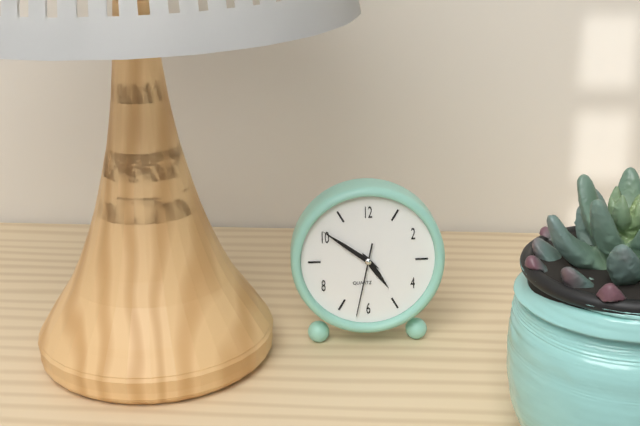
4:51:32
